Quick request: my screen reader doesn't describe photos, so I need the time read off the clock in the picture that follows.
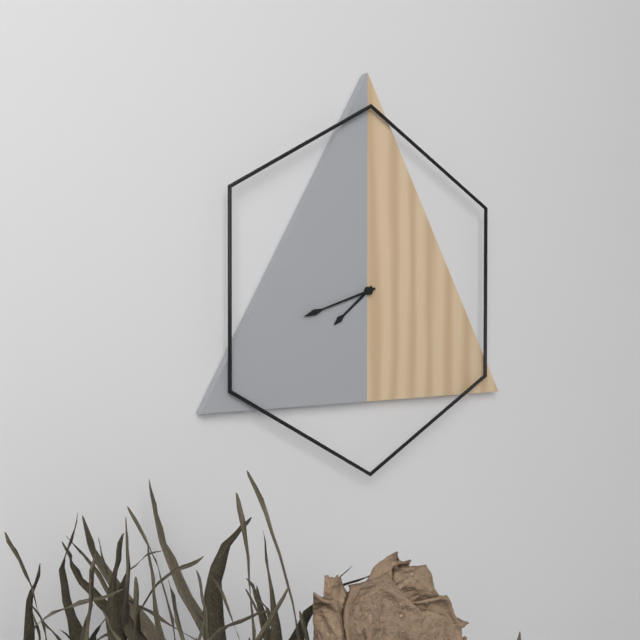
7:42
